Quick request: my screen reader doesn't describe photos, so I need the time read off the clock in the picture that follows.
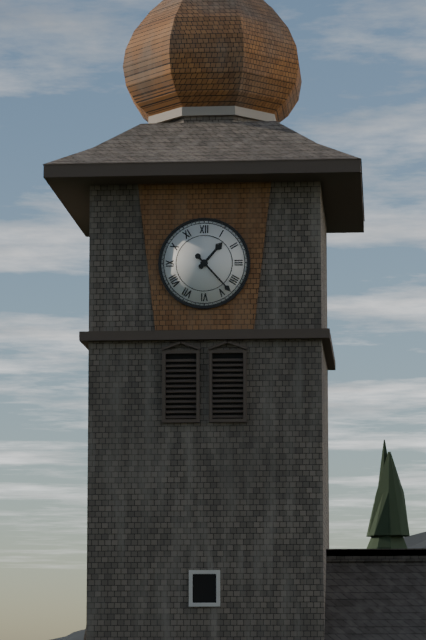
1:23
